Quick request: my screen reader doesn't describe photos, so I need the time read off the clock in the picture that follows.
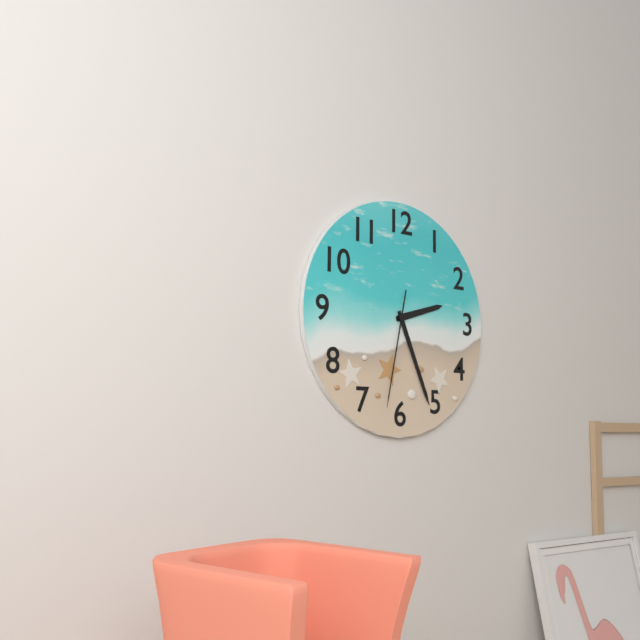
2:26:32
